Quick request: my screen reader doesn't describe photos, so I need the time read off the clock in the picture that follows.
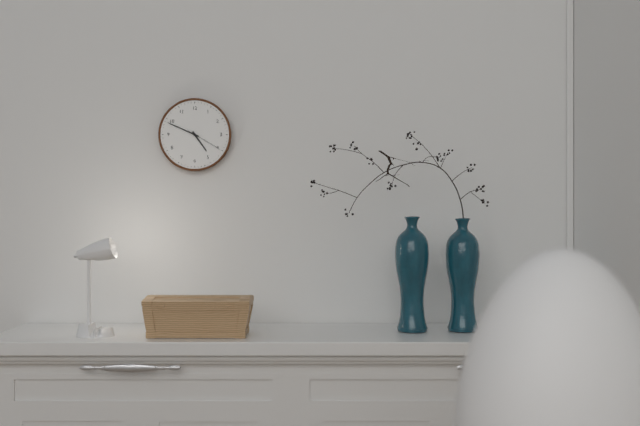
4:49
